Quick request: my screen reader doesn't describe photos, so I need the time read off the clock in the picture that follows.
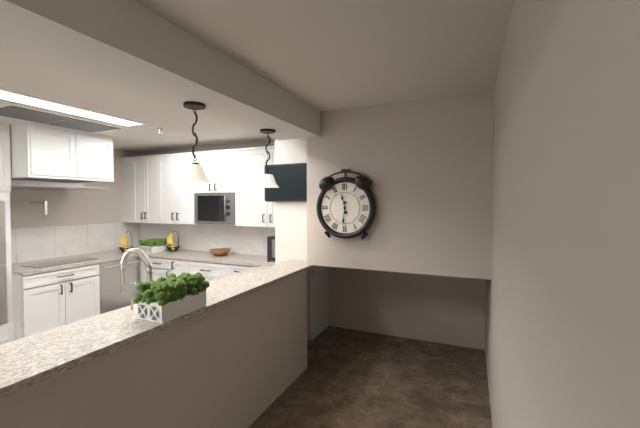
11:31
